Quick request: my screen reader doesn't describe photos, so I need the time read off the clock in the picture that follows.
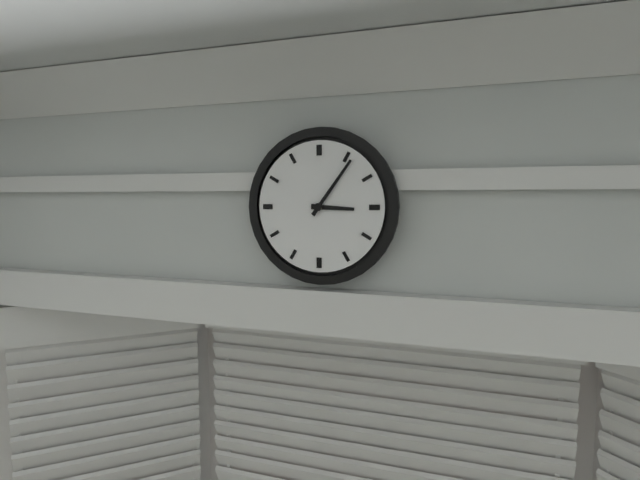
3:06
